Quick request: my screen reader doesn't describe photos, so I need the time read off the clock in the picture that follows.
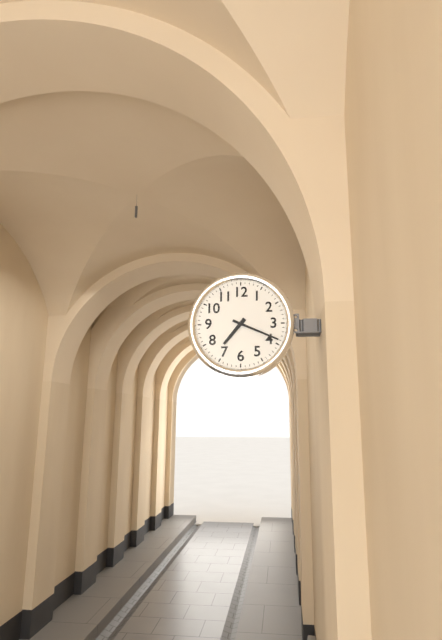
7:19
